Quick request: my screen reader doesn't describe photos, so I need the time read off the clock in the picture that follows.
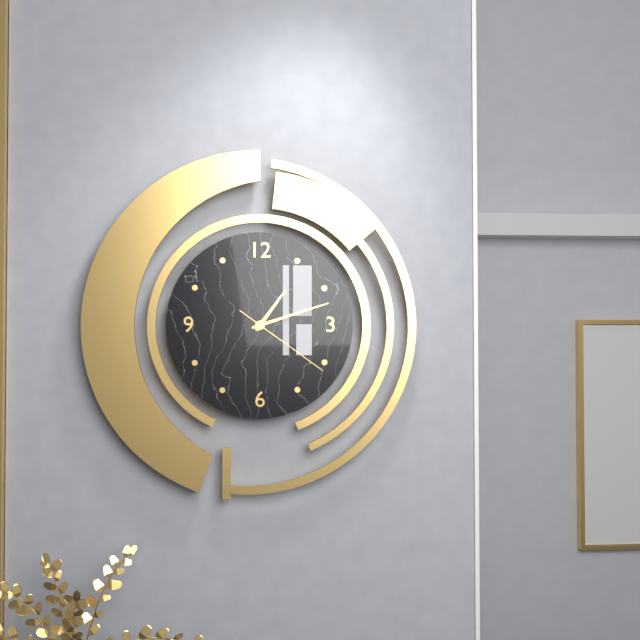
1:12:21
